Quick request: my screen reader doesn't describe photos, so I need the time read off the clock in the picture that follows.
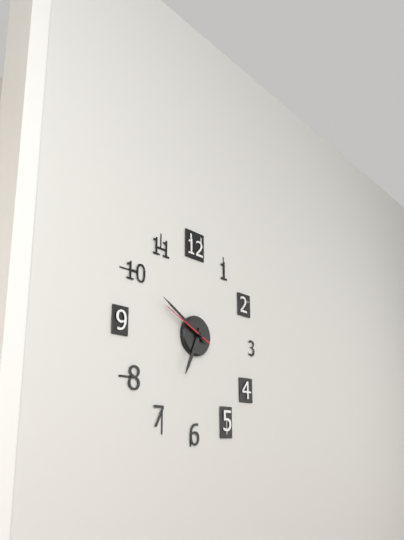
6:50:49
